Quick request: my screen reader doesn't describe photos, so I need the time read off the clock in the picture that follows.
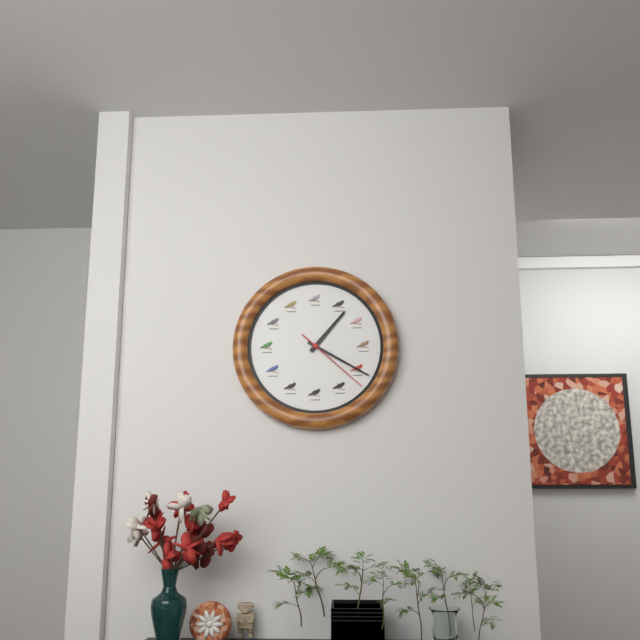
1:20:22
